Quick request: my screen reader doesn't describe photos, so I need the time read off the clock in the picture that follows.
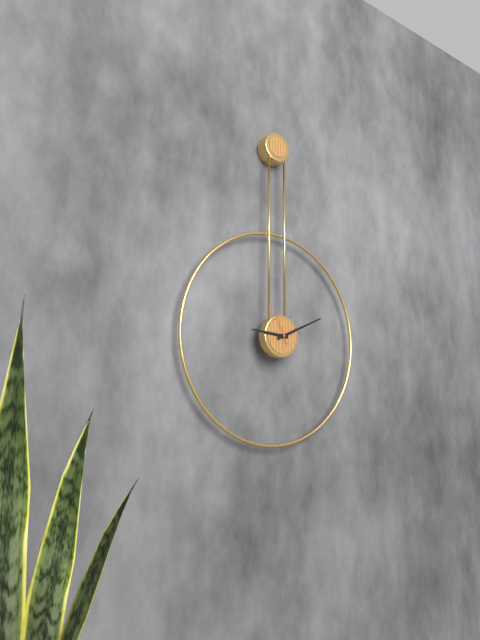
9:11
